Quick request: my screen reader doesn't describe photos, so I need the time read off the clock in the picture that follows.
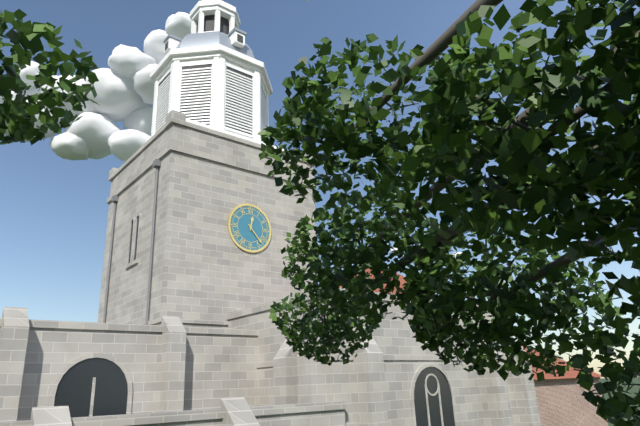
12:23
